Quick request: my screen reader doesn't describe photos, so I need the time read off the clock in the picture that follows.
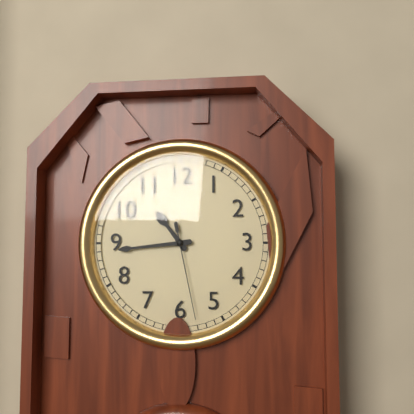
10:44:28
